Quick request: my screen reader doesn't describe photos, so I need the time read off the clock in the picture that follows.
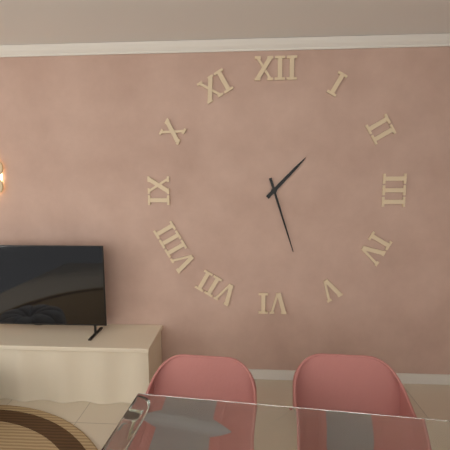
1:27
